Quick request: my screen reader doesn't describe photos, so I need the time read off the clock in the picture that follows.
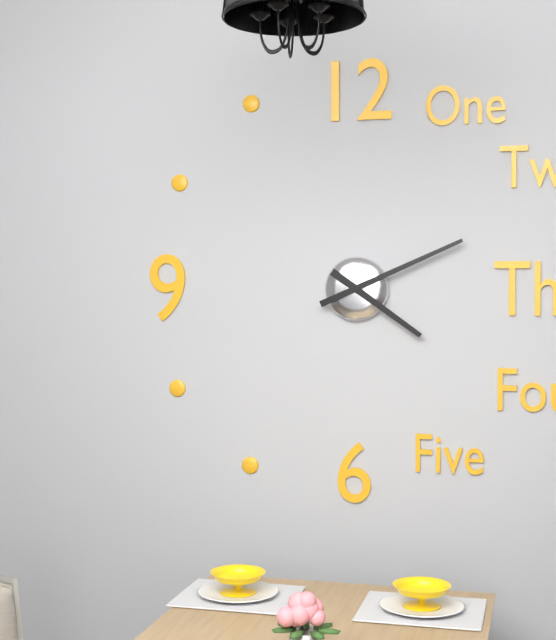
4:11
